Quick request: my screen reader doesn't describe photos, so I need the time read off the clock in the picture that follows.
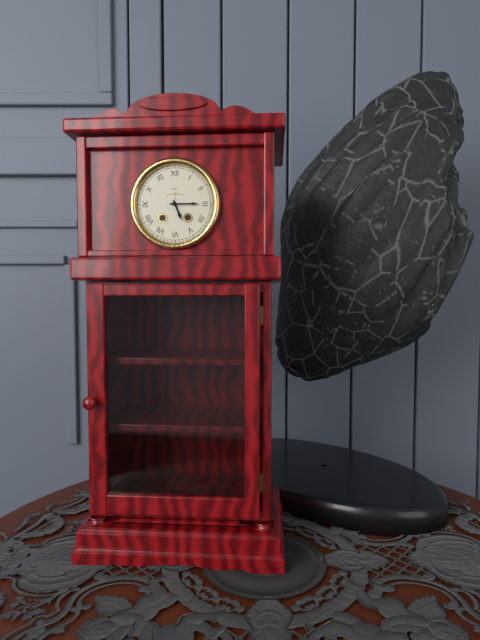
5:15
